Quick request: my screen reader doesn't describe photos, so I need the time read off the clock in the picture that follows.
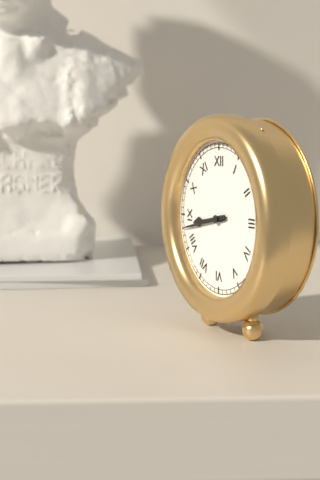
8:43
